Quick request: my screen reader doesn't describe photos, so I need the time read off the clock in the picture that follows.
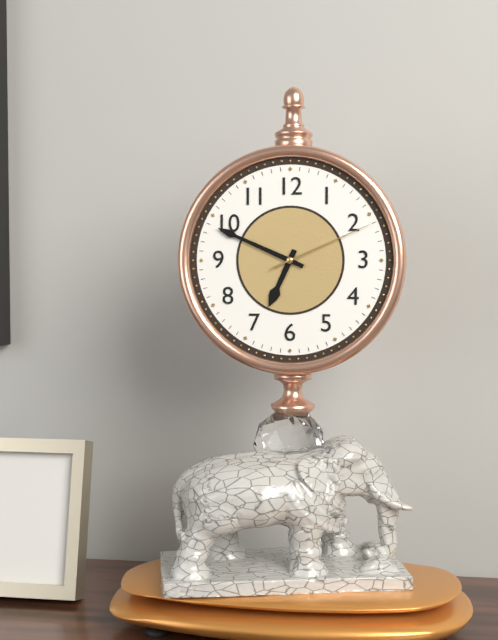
6:49:11
